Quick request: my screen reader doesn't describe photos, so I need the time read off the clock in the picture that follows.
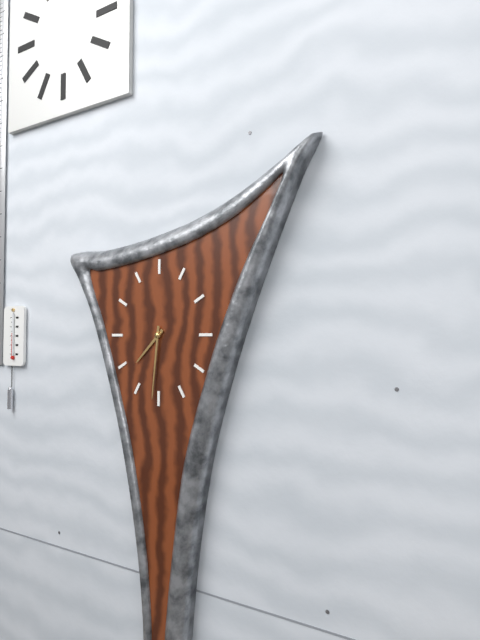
7:31
